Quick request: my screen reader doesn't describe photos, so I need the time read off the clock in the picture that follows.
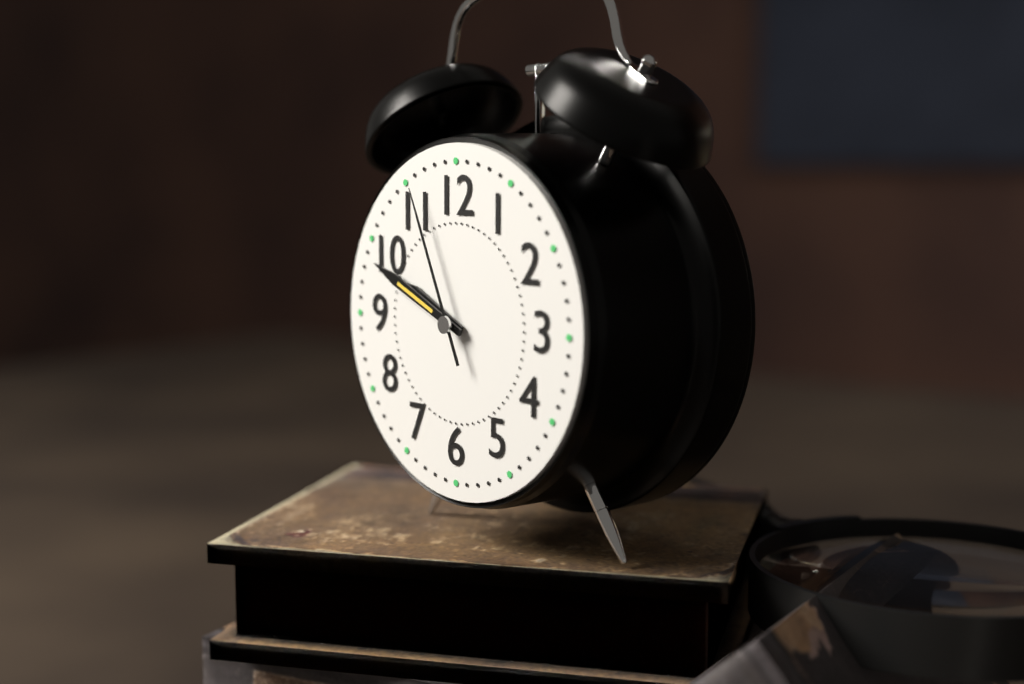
9:49:56
